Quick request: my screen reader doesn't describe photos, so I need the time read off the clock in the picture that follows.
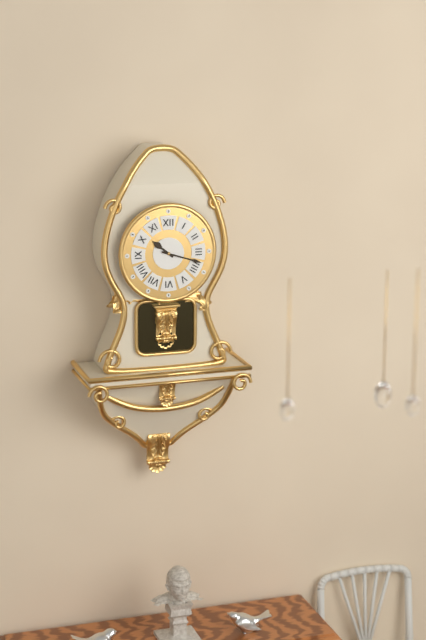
10:18
